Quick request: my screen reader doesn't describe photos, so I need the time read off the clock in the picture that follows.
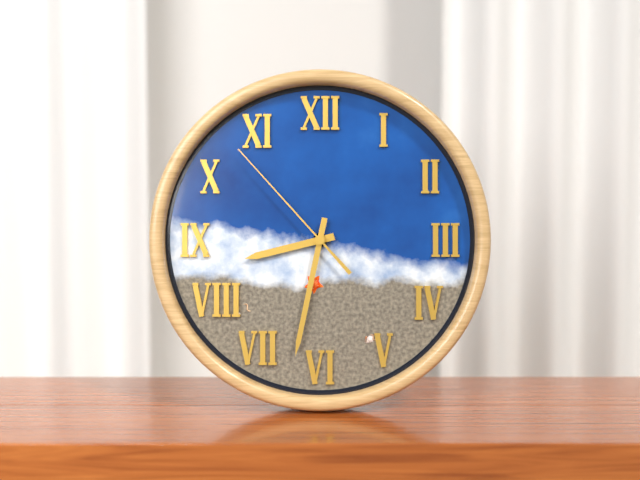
8:32:53
